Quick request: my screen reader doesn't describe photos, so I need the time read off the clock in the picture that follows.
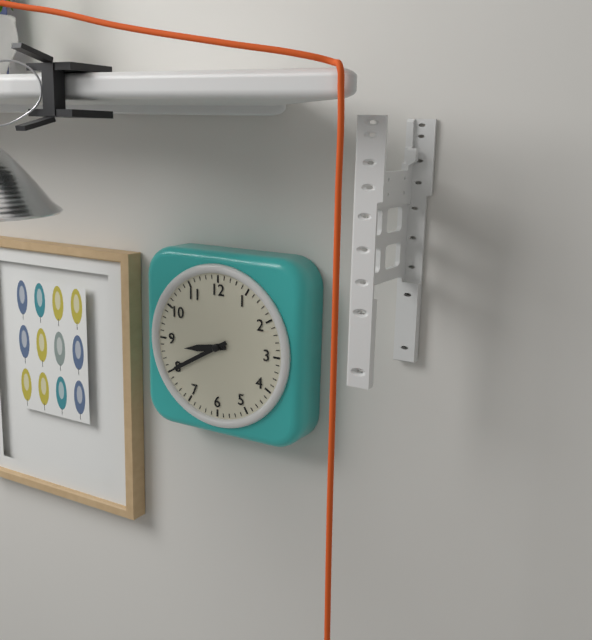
8:40
